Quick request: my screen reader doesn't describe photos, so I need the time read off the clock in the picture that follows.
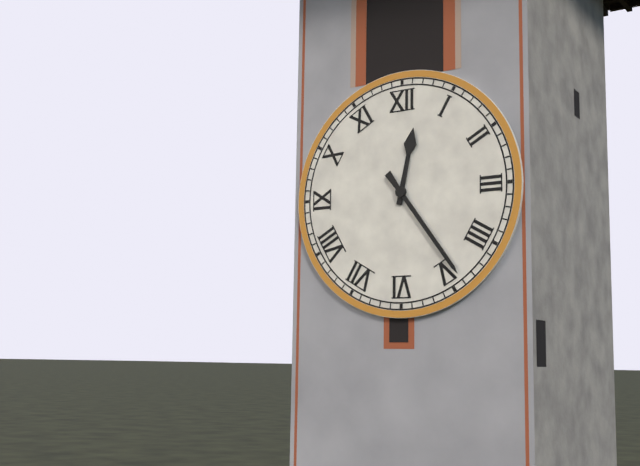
12:24
